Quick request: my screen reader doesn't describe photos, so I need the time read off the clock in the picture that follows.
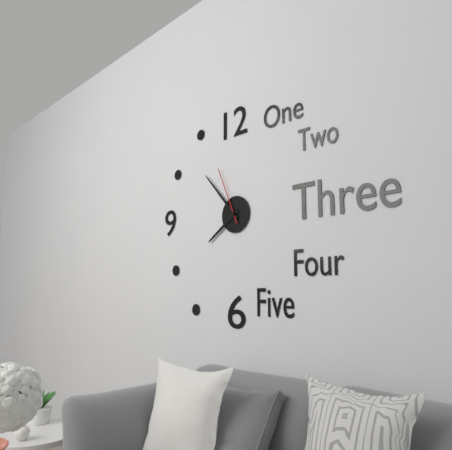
7:53:56
